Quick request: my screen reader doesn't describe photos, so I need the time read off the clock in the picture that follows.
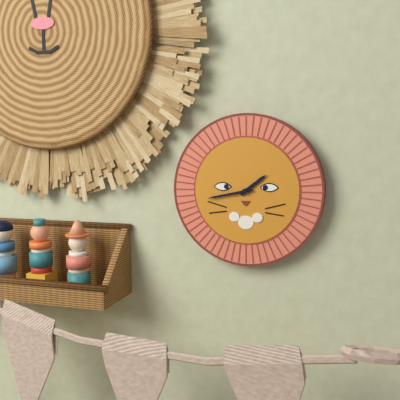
1:43
